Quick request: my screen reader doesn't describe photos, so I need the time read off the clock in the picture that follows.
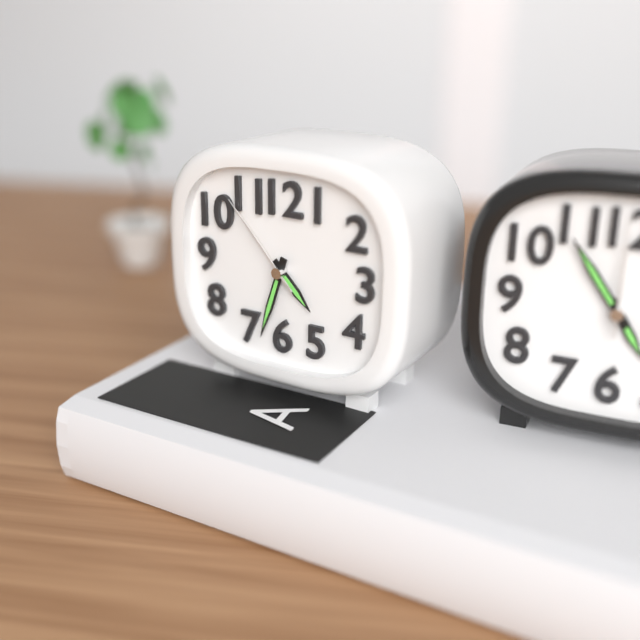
4:33:53
